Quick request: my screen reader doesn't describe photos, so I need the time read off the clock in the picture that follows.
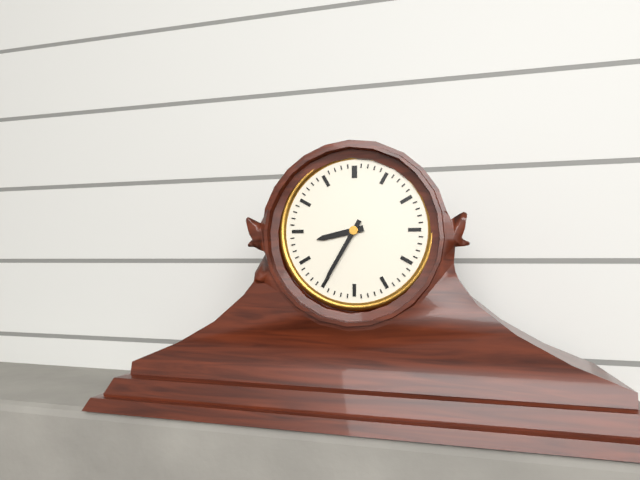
8:35
